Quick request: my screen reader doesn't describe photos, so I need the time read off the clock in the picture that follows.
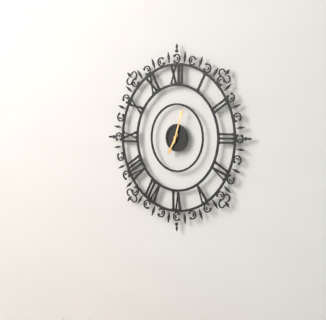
7:03
